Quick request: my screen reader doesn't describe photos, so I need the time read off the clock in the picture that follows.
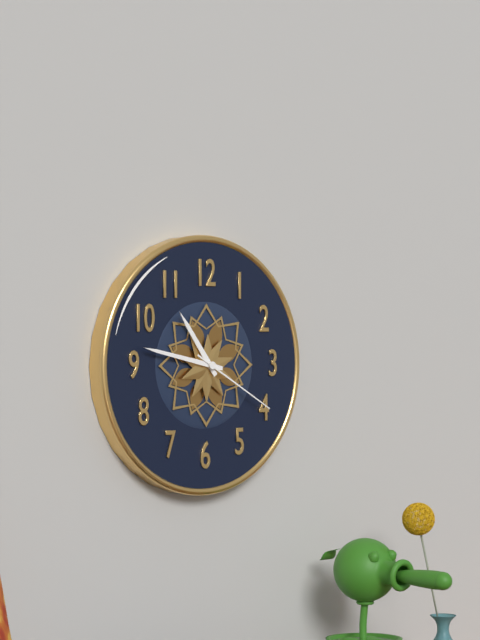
10:47:20
